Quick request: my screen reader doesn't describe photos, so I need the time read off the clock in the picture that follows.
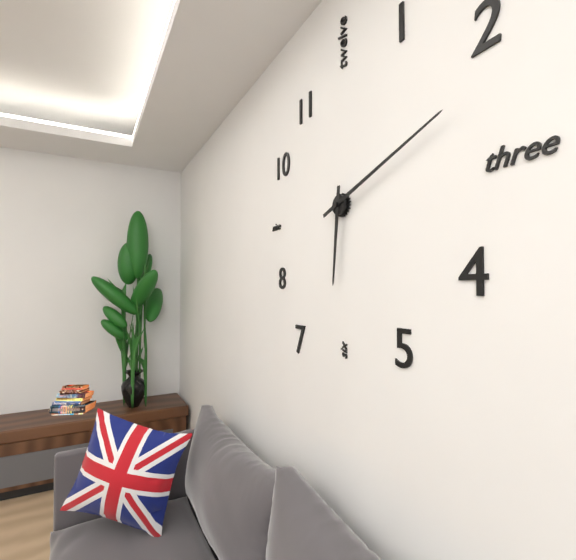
6:12
